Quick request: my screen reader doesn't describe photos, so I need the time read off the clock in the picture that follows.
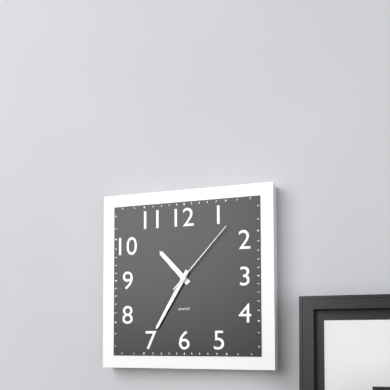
10:35:07
